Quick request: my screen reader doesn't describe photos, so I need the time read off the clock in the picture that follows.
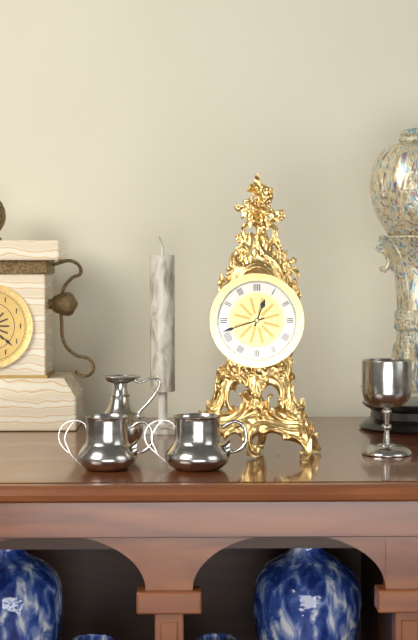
12:42
